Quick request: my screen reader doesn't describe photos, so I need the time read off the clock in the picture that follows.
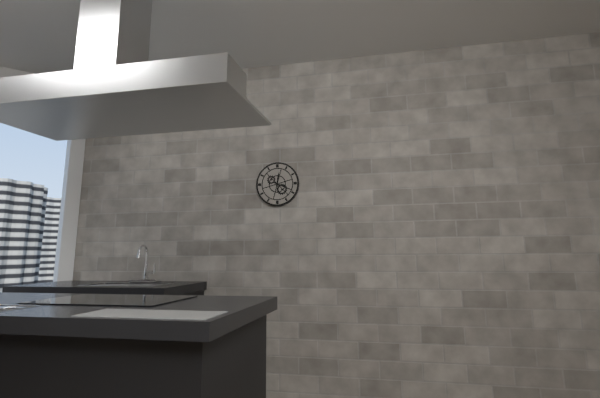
12:19
